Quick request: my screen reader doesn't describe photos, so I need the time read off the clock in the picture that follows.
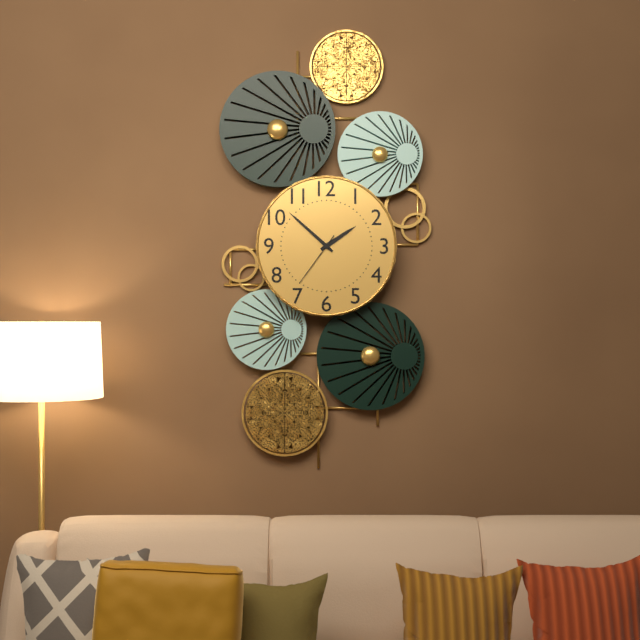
1:52:36
